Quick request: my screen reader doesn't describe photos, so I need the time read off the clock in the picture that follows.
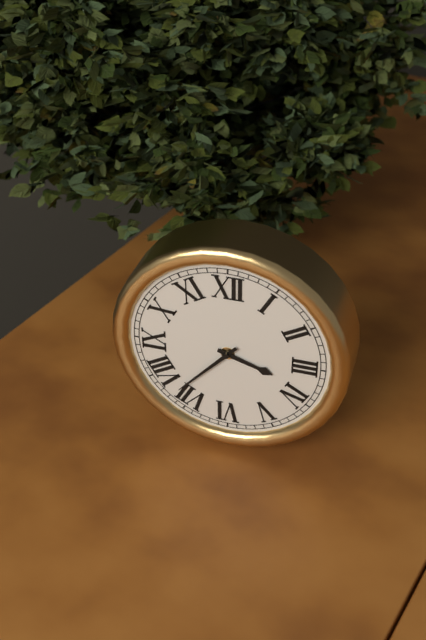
3:37
